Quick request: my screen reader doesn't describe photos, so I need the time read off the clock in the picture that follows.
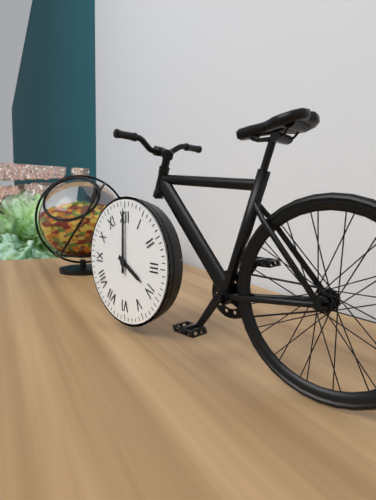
4:00
